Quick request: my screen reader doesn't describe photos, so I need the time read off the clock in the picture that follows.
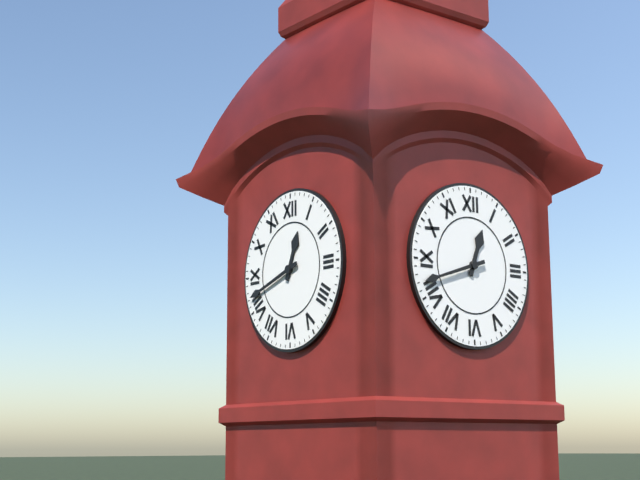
12:42
